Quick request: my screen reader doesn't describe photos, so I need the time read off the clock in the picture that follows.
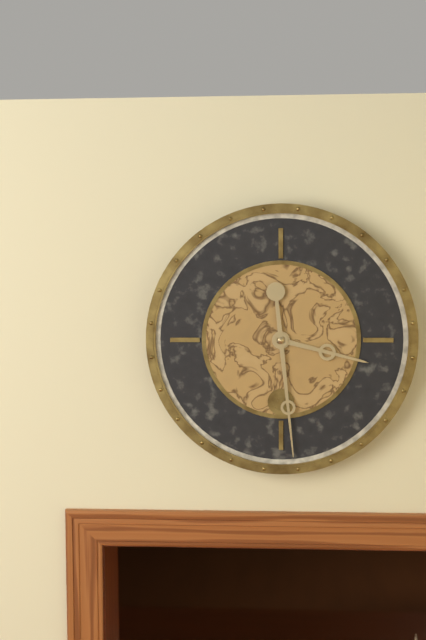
3:29
